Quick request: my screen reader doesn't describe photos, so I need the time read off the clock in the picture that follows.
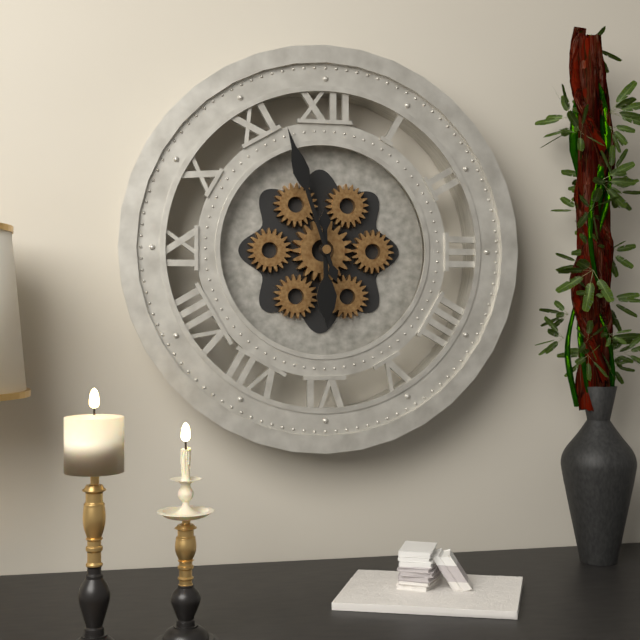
5:57
